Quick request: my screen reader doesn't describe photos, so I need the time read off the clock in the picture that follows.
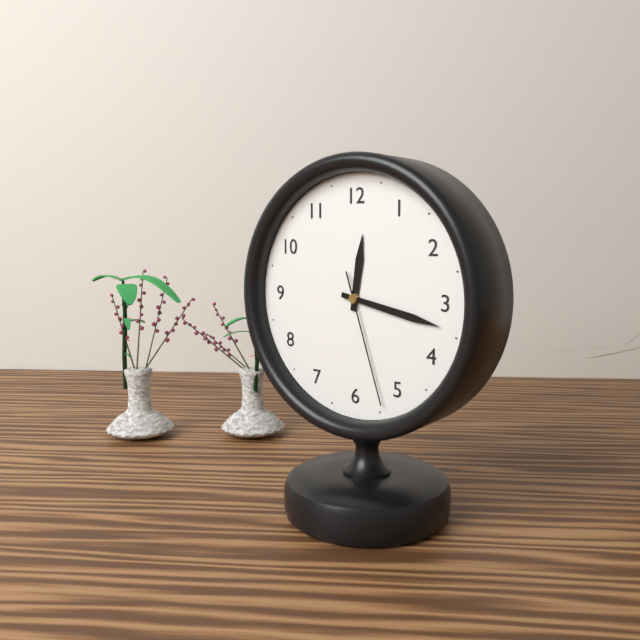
12:17:27
